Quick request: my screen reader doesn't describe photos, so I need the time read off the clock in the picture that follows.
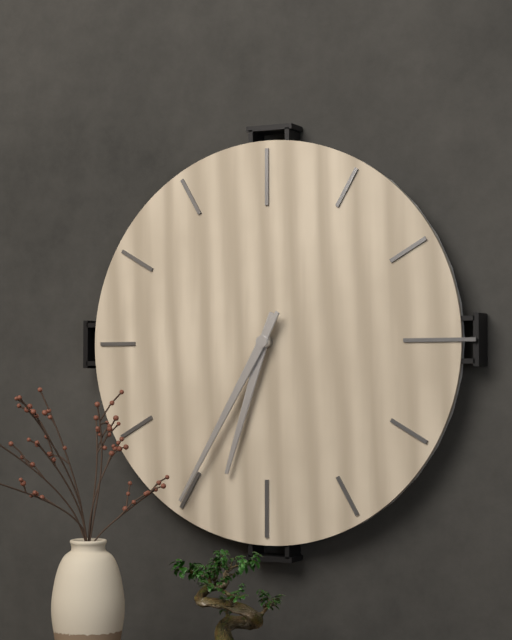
6:35
